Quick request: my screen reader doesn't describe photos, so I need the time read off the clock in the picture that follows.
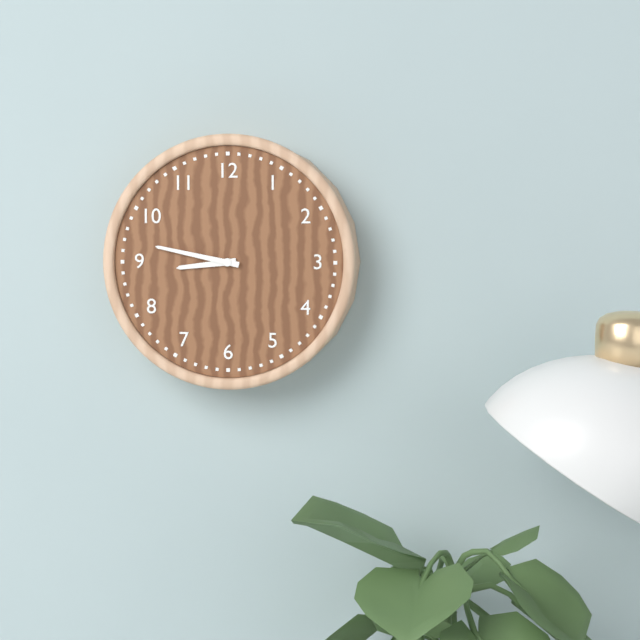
8:47
